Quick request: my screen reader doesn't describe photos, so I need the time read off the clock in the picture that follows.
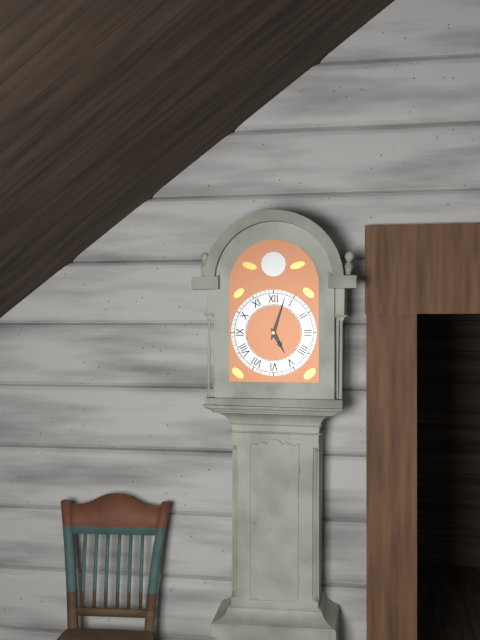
5:03
